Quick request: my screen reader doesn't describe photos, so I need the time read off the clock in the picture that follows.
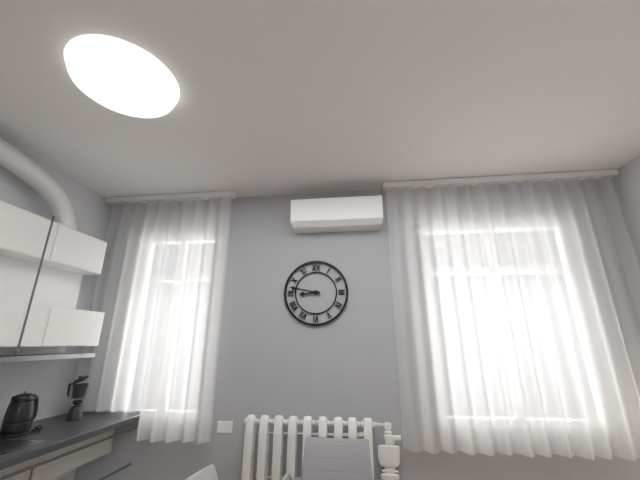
8:47
